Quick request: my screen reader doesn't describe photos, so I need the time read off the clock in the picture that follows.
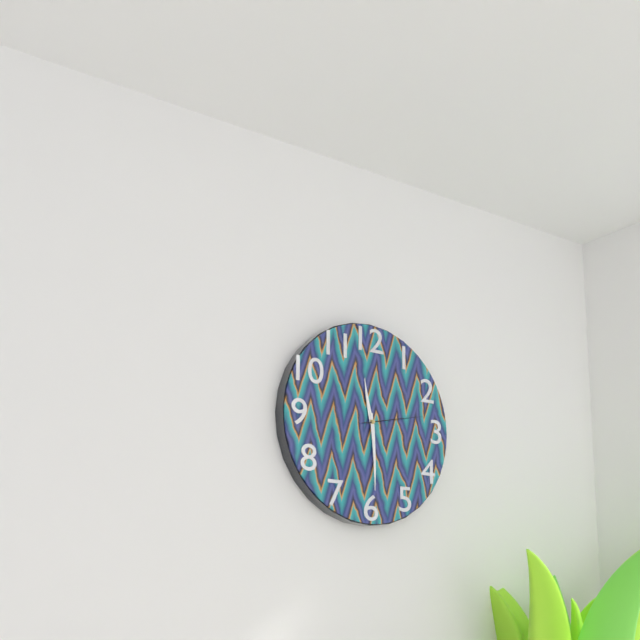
11:29:13
